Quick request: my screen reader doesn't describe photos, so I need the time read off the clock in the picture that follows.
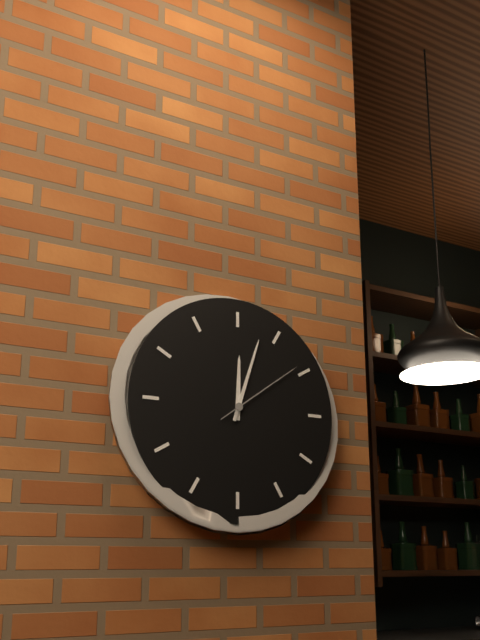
12:03:09
